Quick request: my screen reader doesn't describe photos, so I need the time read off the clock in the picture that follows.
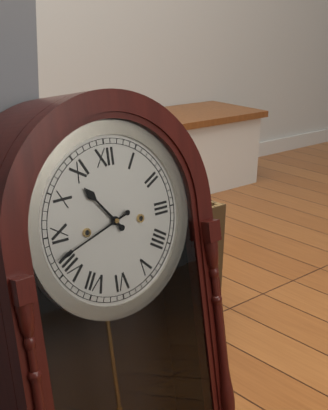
10:42
